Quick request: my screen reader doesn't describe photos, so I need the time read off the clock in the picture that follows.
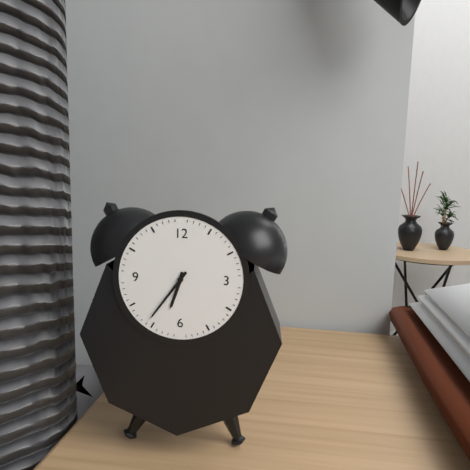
6:36
